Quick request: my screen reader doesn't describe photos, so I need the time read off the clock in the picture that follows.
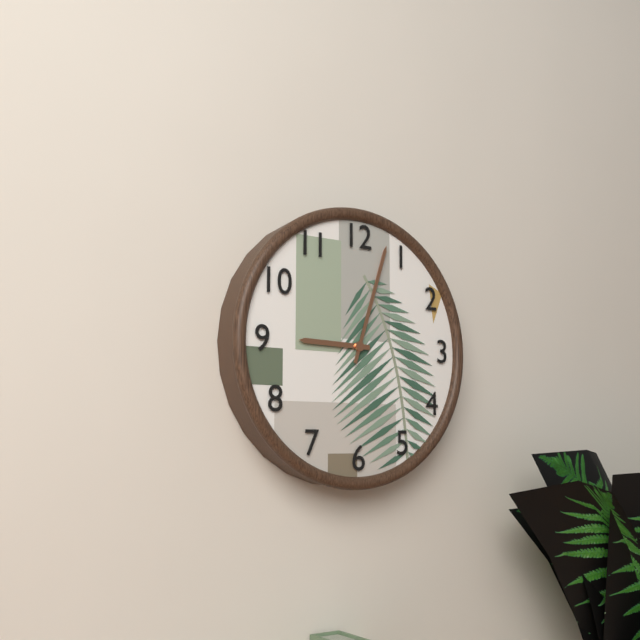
9:03
